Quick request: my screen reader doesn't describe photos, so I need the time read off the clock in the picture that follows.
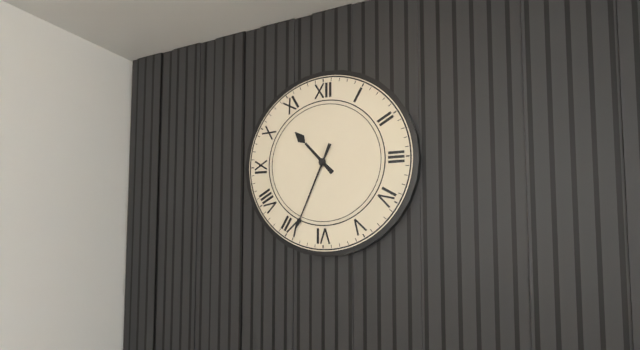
10:34
